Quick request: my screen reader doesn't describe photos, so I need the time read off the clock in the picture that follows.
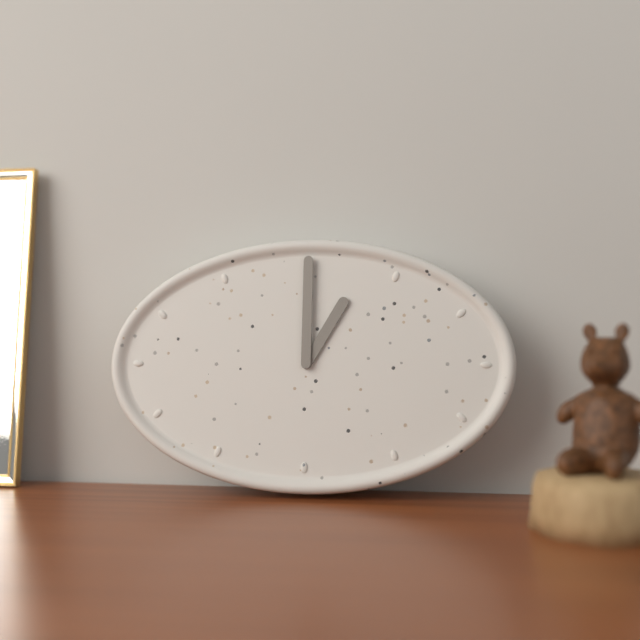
1:00
